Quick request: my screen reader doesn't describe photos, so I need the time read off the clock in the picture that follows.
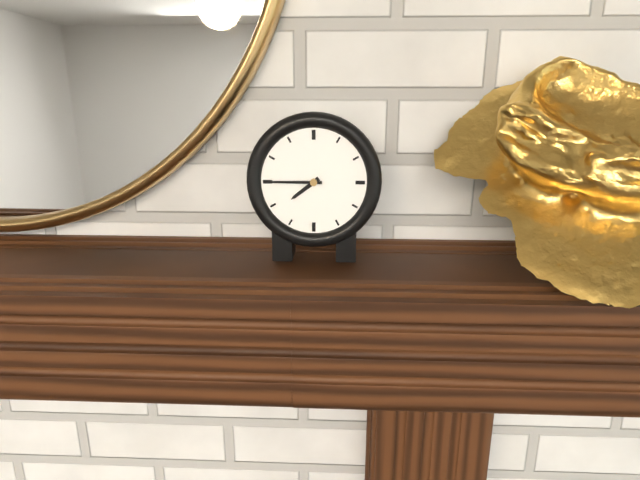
7:45
